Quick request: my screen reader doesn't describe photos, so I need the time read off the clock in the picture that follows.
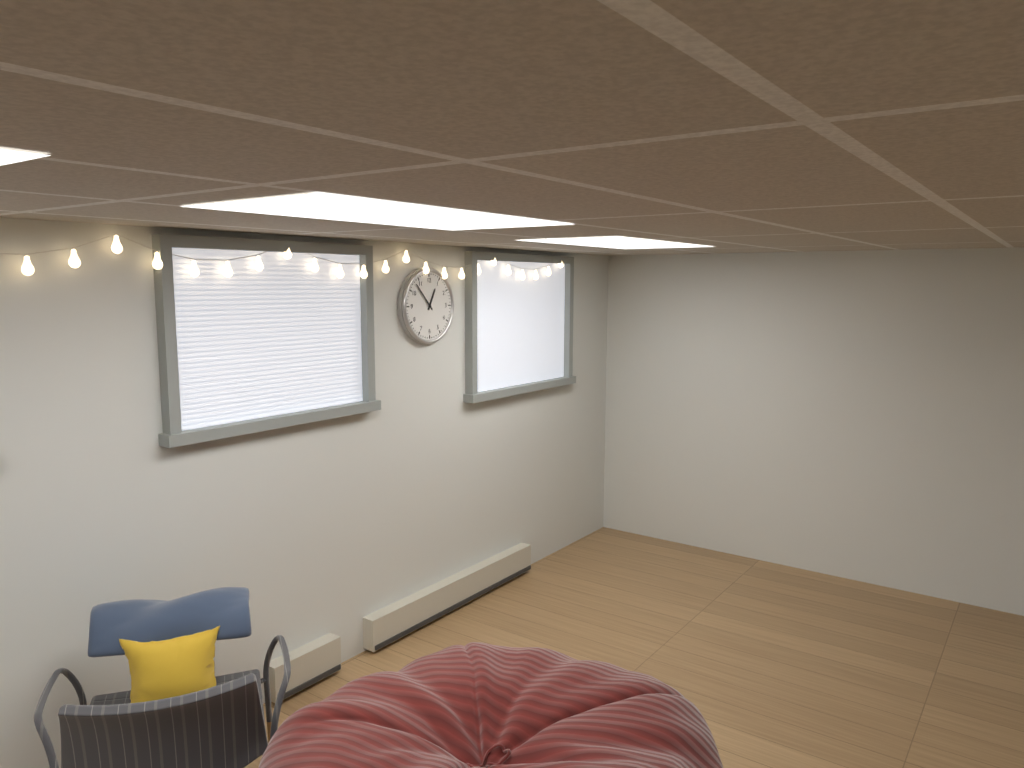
12:53
